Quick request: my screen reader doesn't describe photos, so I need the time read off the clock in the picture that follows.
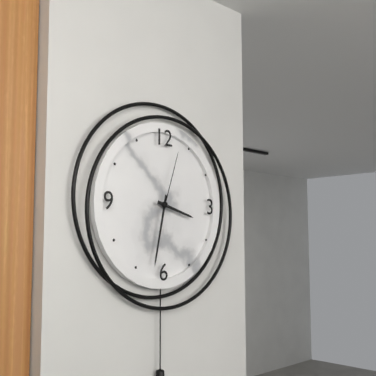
3:32:03
